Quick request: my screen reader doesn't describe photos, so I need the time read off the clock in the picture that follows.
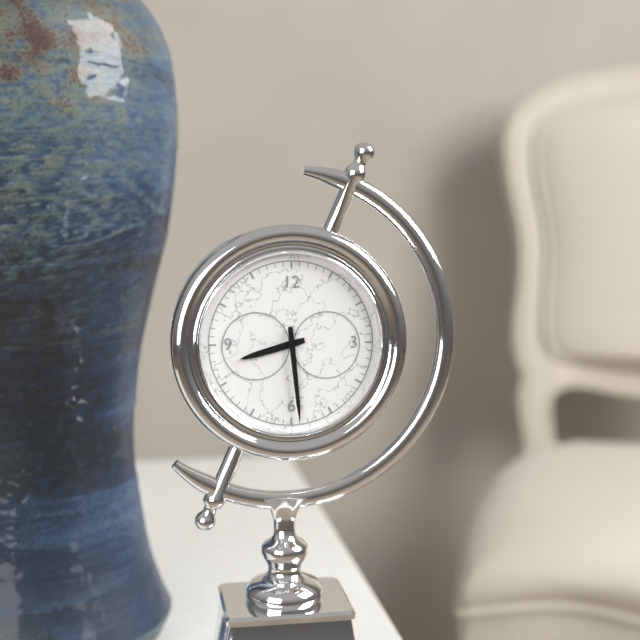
8:29
